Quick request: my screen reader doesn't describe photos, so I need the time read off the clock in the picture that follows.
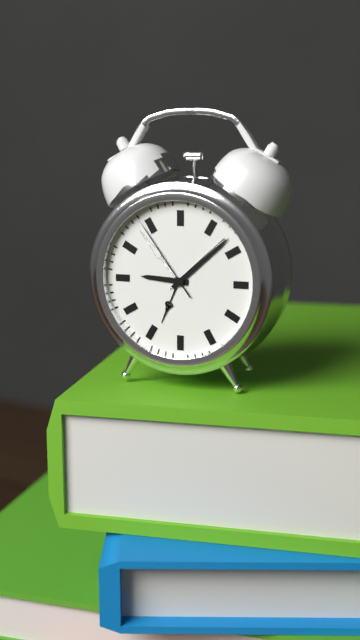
9:08:54
